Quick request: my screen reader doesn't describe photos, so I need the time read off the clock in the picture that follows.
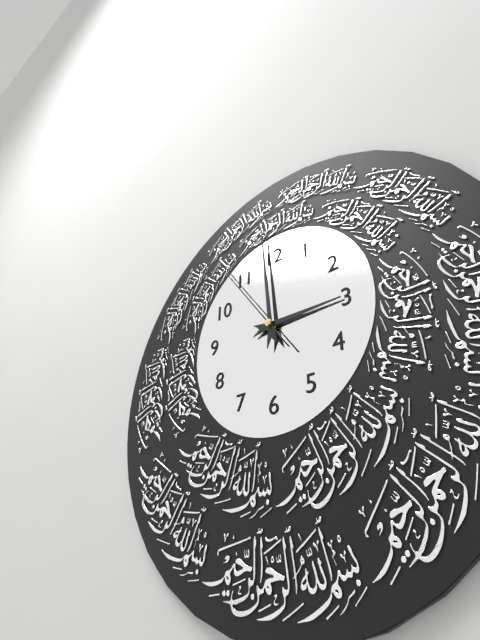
2:59:54
